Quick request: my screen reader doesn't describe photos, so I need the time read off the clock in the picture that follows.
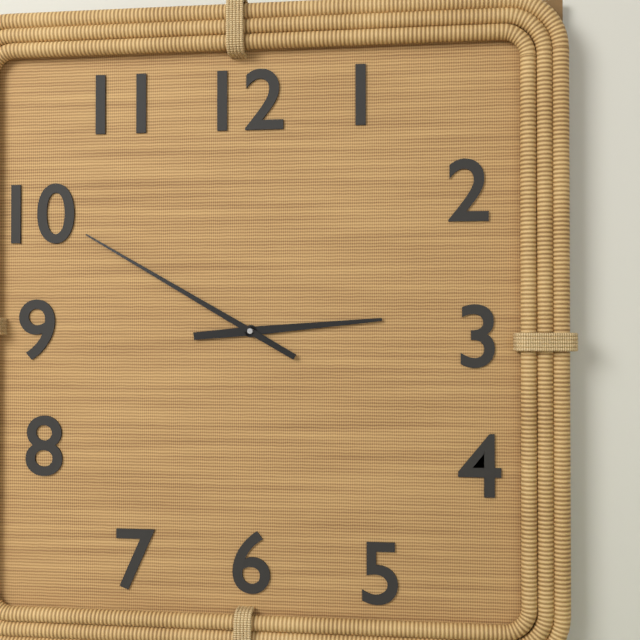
2:50
